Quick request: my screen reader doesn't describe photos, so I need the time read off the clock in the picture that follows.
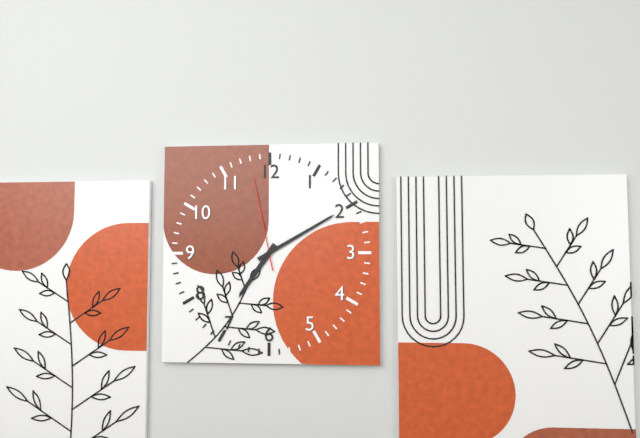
7:10:58
